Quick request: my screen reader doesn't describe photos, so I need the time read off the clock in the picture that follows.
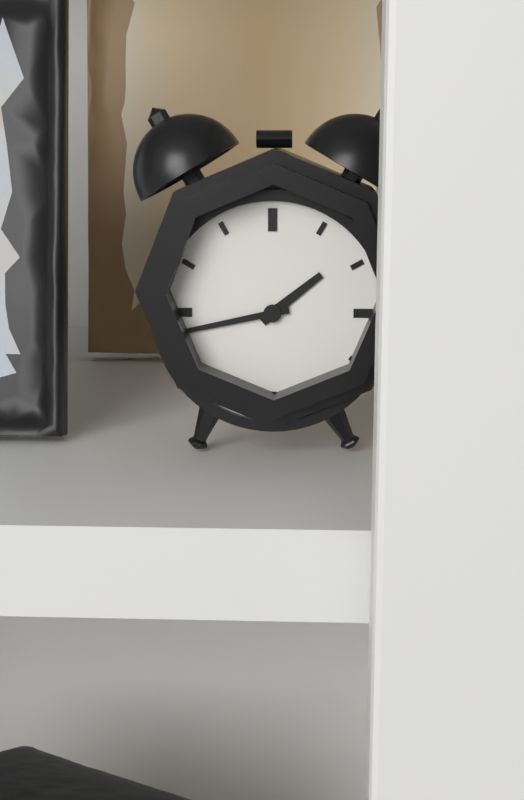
1:43
